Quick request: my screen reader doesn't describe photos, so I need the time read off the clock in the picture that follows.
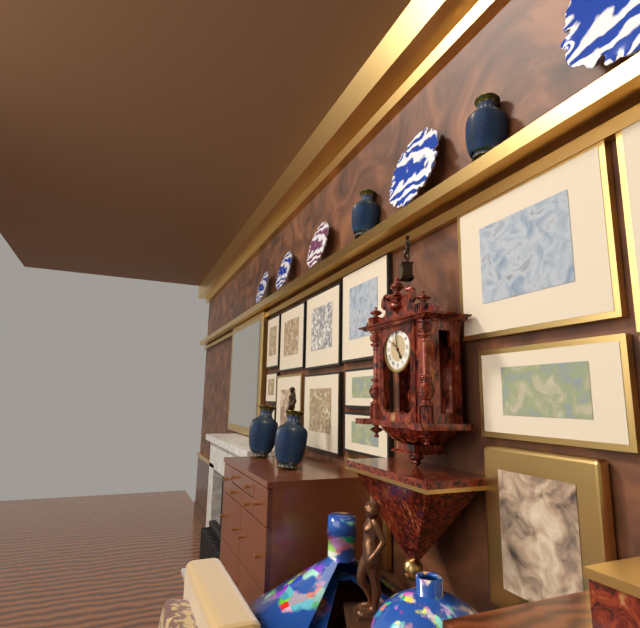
4:59
